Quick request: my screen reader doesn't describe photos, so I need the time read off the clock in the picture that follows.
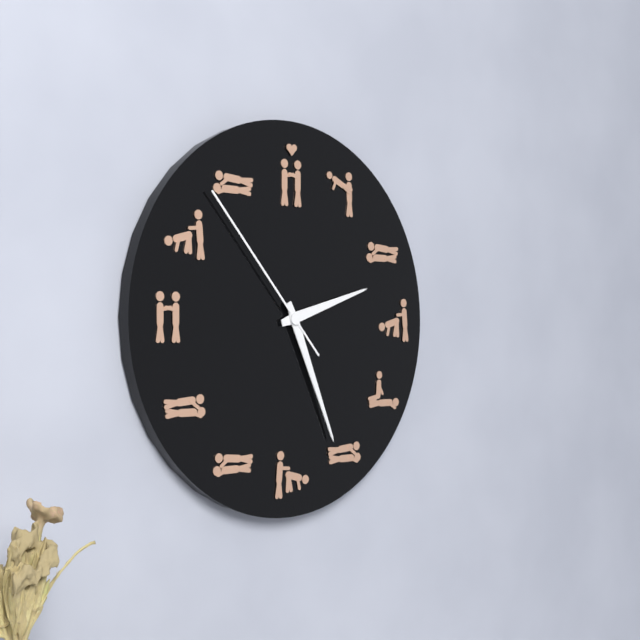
2:26:53
